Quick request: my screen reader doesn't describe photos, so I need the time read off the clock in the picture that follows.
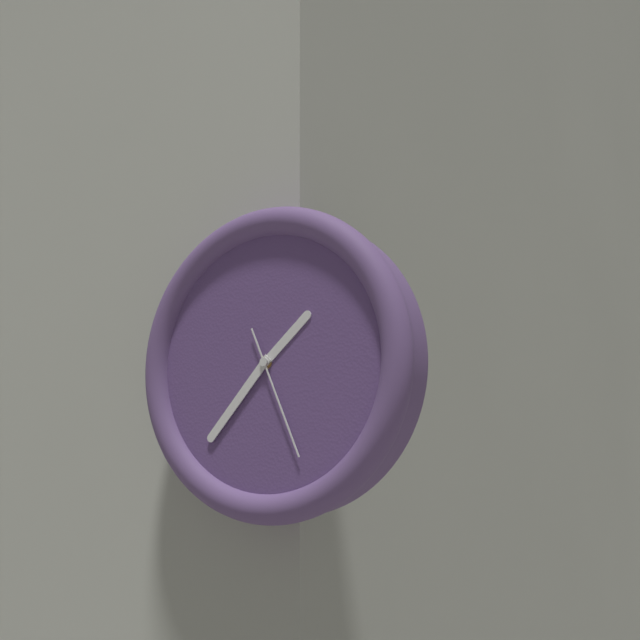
1:37:26
